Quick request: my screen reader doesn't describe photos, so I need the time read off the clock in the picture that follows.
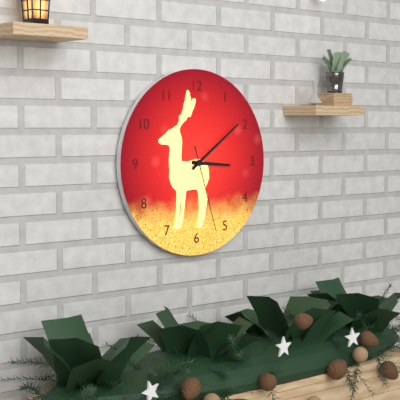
3:09:27
